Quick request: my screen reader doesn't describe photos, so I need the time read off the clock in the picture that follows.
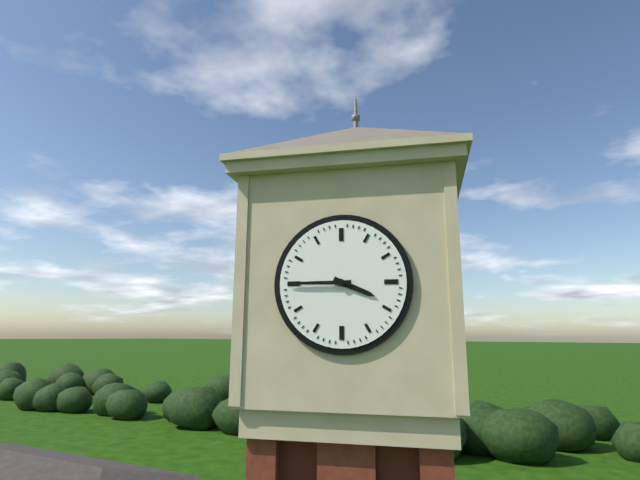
3:45
